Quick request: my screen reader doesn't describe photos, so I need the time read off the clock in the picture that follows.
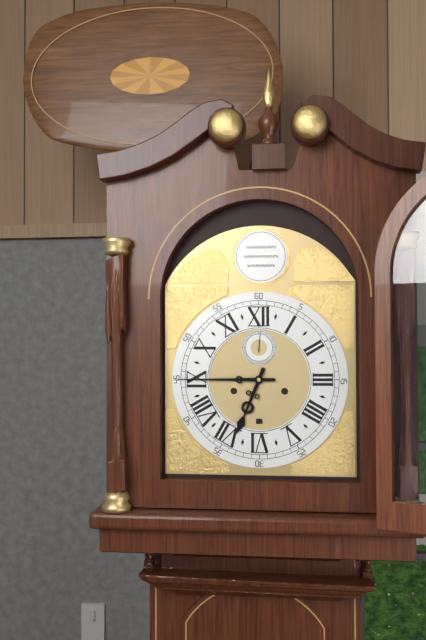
6:45
